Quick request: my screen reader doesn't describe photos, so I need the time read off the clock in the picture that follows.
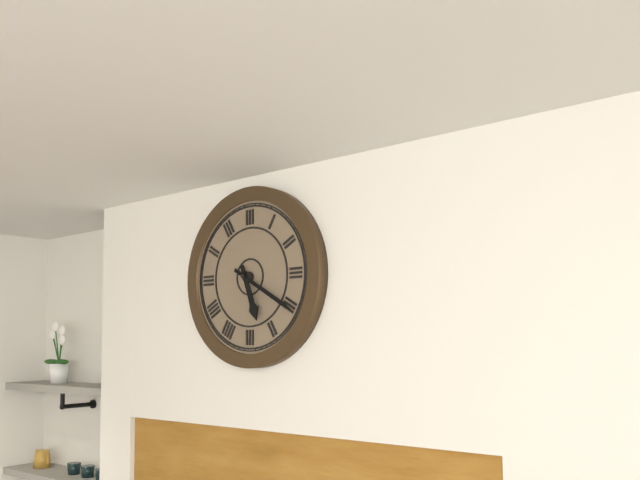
5:20
